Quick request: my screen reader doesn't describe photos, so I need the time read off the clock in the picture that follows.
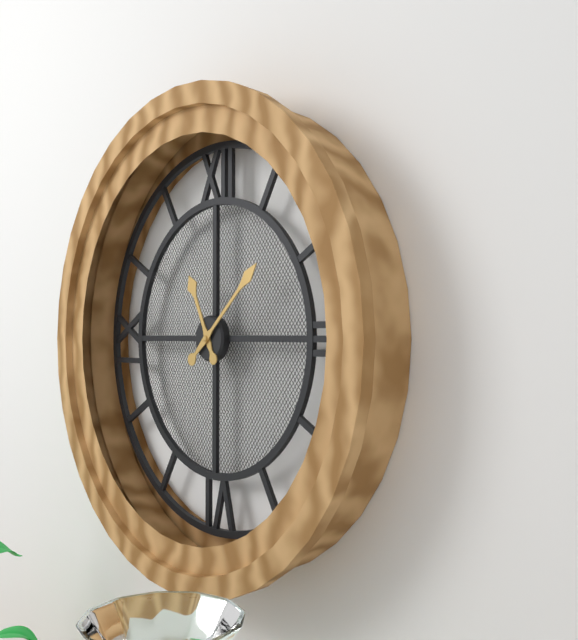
11:08
